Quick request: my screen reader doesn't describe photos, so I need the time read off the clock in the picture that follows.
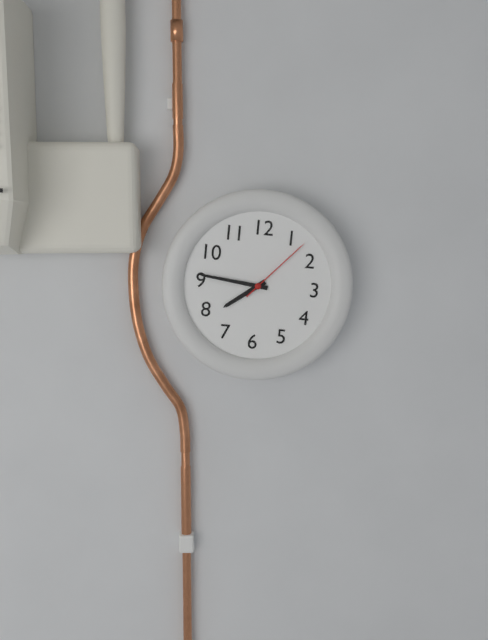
7:46:07
